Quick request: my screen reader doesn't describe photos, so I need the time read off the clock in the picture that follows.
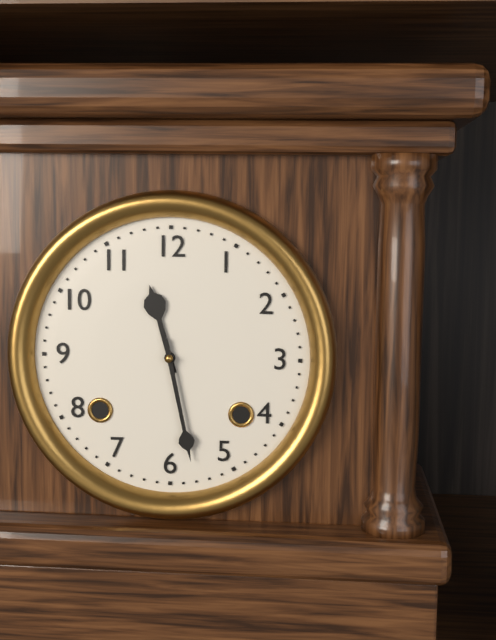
11:28
